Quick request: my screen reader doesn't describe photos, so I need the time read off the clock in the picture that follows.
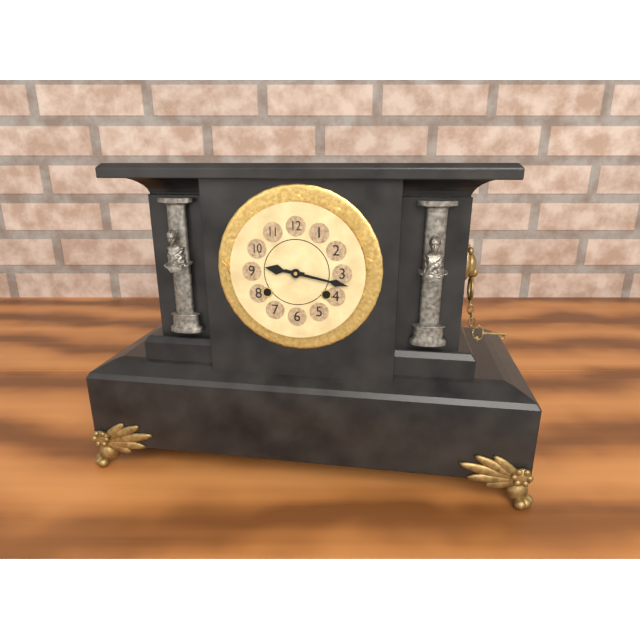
9:17
